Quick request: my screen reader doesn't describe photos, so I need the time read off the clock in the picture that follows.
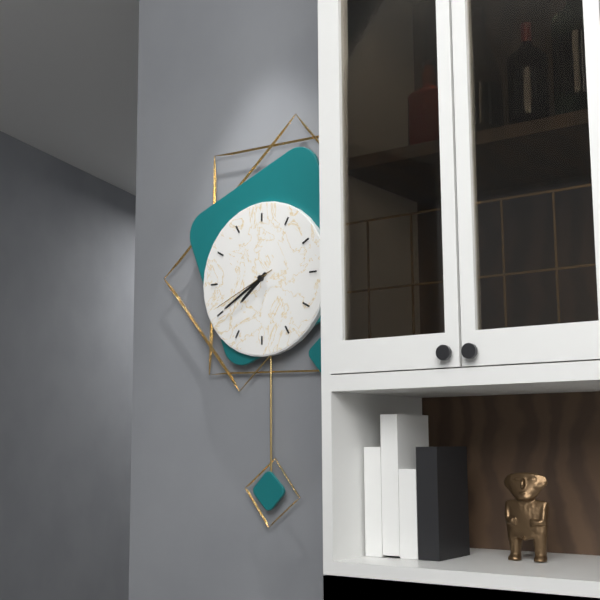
7:40:41
